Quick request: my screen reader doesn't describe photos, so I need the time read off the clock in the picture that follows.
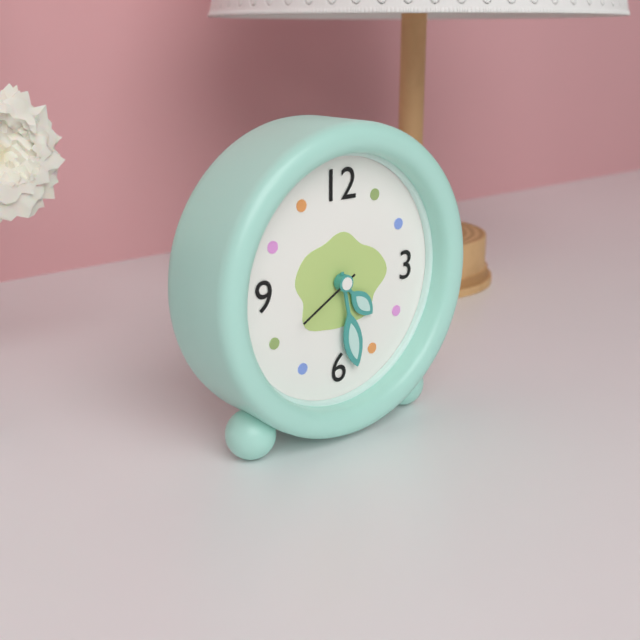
4:28:40
